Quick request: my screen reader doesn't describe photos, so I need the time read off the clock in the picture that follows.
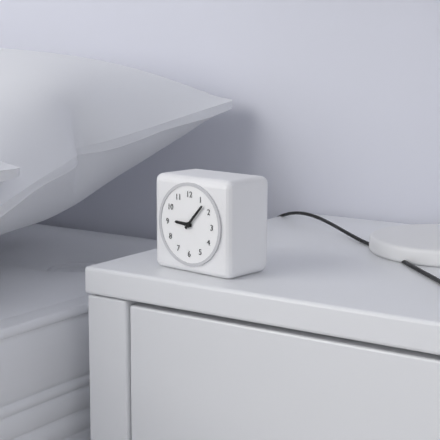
9:07
